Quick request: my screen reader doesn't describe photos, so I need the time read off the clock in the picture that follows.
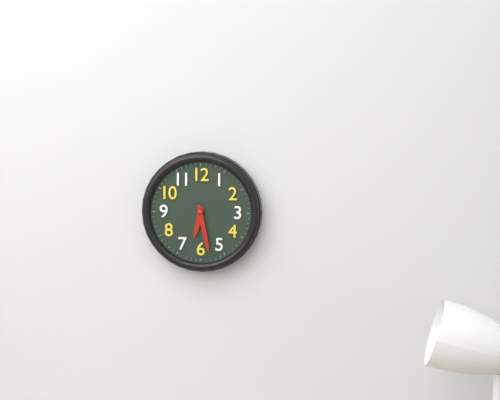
6:28
